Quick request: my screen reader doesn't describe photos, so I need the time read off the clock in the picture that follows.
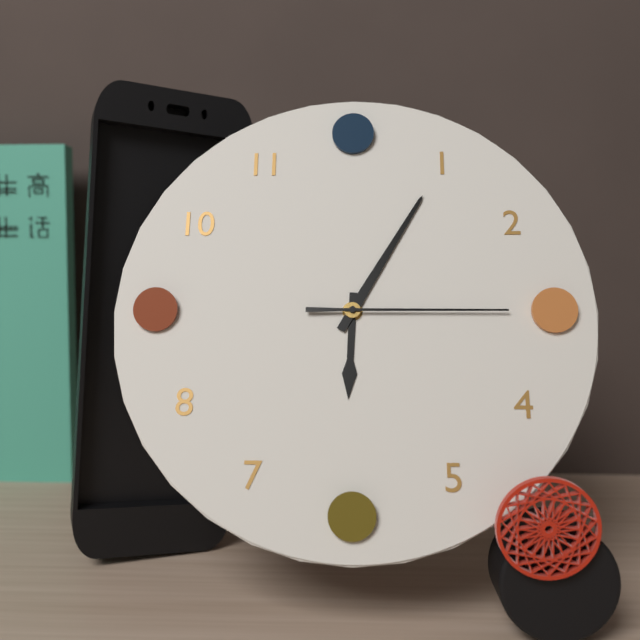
6:05:15
